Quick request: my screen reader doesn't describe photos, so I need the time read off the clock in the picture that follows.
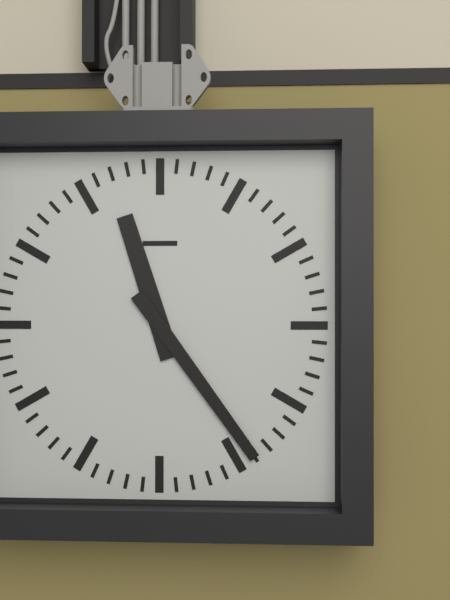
11:24
